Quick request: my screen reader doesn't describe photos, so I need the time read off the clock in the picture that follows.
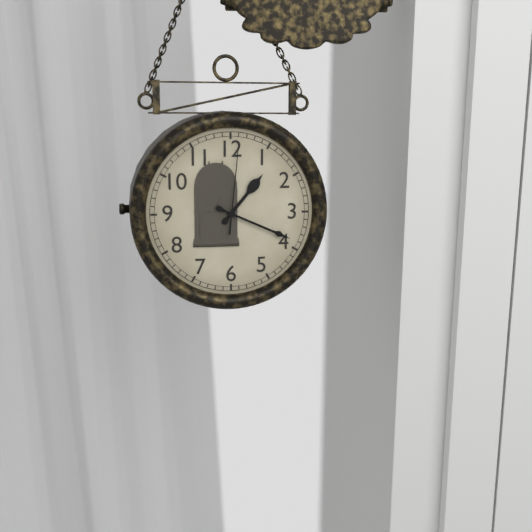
1:19:01
